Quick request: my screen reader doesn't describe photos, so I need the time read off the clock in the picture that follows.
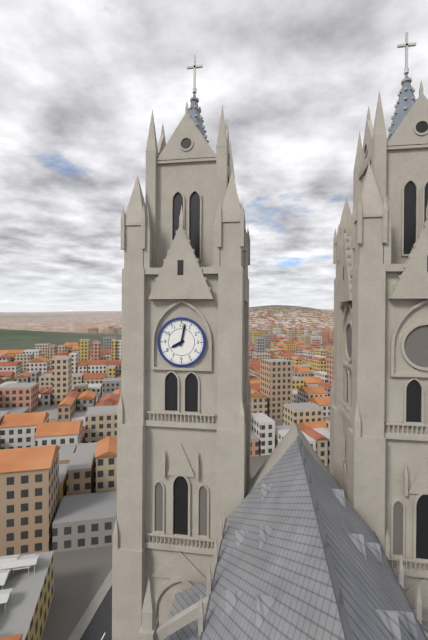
8:02
